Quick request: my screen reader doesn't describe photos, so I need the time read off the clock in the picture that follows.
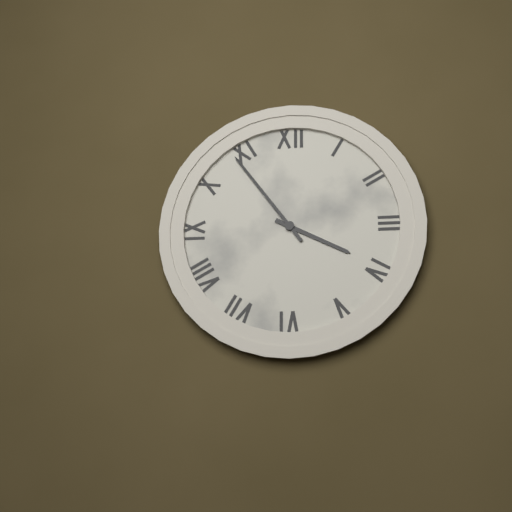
3:54
